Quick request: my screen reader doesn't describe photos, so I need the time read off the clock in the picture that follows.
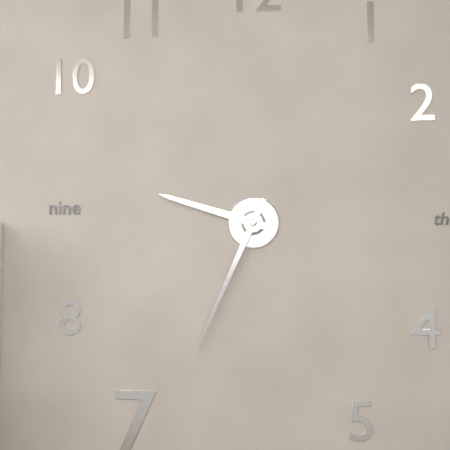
9:34
